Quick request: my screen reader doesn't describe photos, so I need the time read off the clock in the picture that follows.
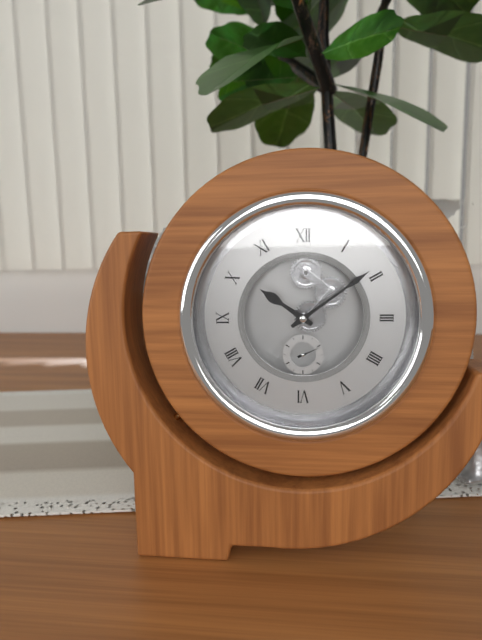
10:09
